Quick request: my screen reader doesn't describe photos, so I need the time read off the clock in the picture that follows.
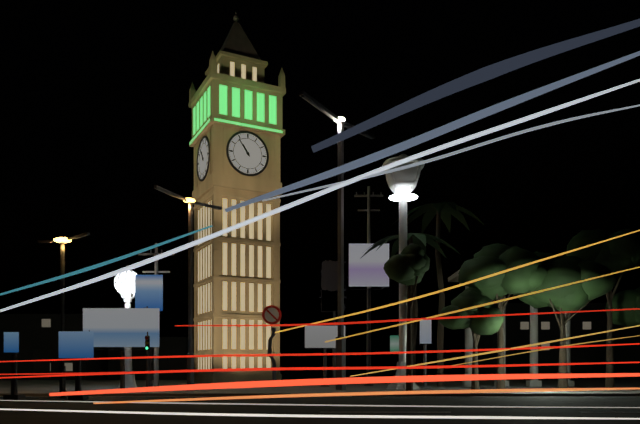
10:54
